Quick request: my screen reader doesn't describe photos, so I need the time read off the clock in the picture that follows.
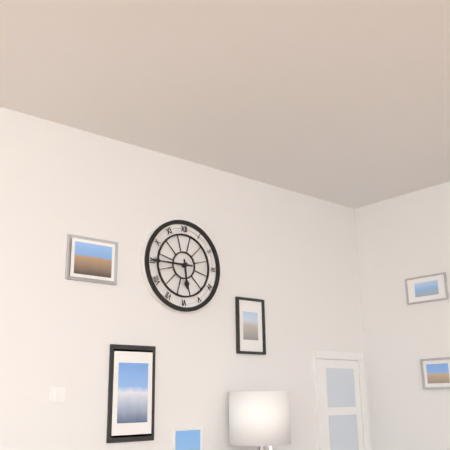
5:45
